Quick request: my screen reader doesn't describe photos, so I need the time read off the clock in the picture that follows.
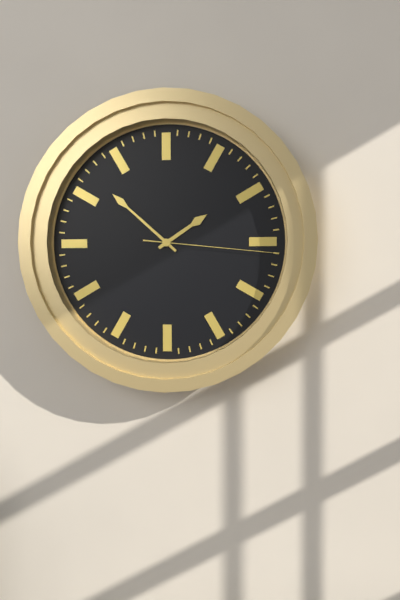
1:52:16
